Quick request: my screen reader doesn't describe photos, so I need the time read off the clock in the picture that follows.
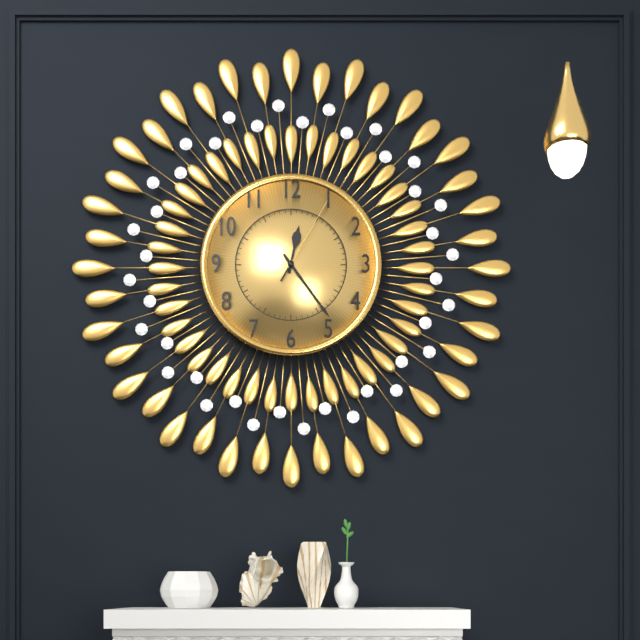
12:24:05
